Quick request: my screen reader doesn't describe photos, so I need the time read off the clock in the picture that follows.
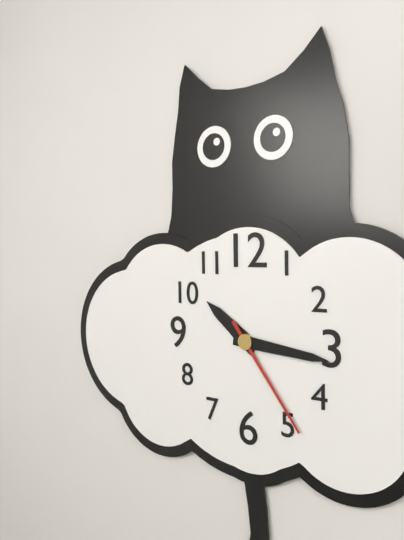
10:16:24
